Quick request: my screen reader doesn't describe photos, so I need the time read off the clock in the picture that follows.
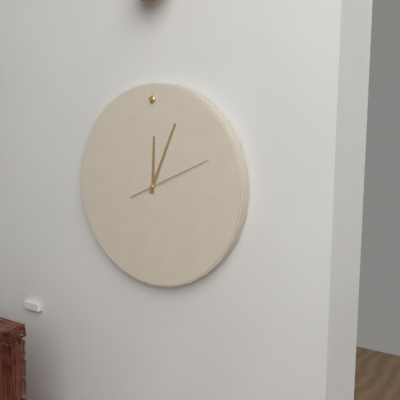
12:04:11
